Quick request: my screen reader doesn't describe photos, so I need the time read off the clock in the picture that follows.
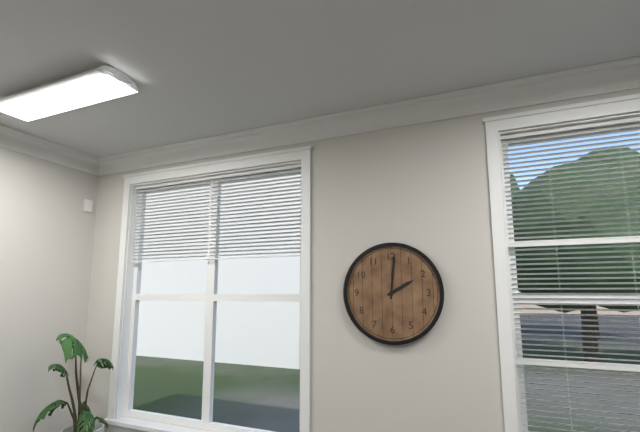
2:01
